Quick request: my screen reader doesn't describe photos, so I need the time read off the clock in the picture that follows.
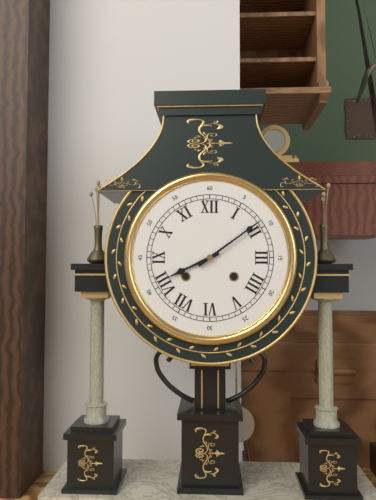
8:09
